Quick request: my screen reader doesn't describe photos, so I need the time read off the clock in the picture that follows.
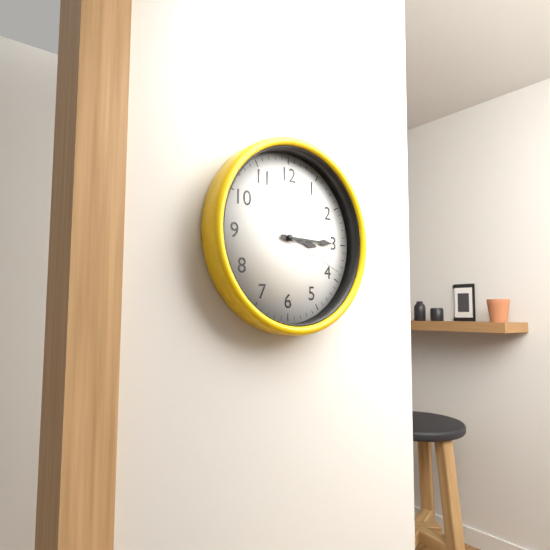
3:15:19
